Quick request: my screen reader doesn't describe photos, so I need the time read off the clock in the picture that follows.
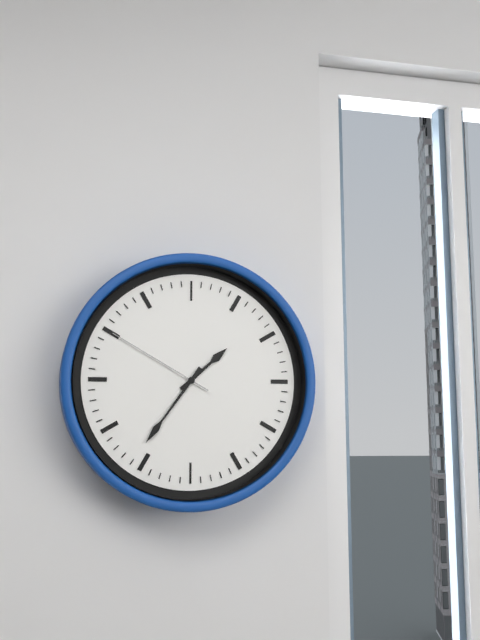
1:36:50
